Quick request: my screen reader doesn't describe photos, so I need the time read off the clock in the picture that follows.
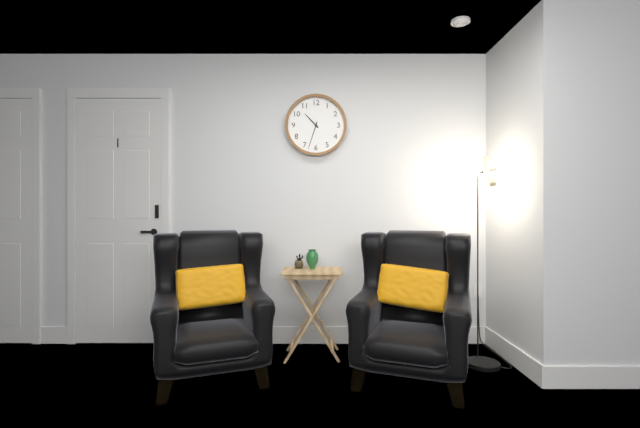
10:33
